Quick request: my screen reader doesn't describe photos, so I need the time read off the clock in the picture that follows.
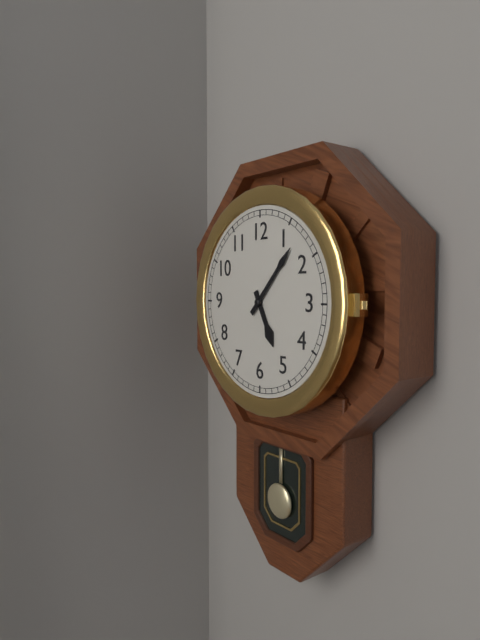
5:07
